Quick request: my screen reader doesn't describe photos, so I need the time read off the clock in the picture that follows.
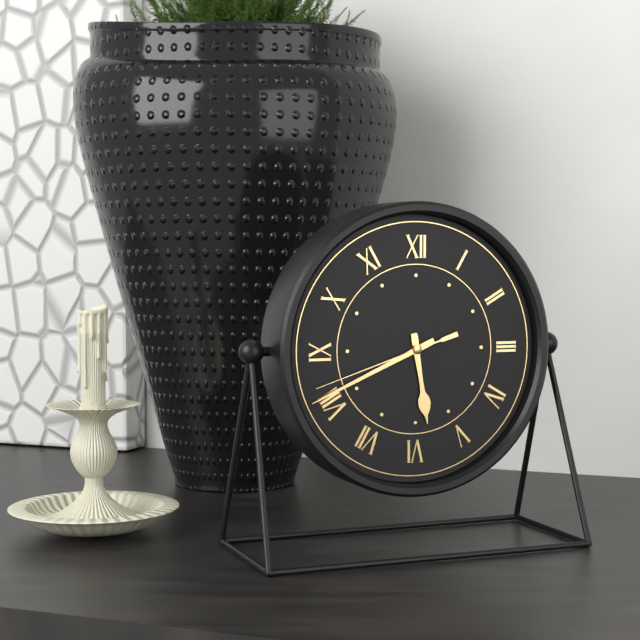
5:41:42
